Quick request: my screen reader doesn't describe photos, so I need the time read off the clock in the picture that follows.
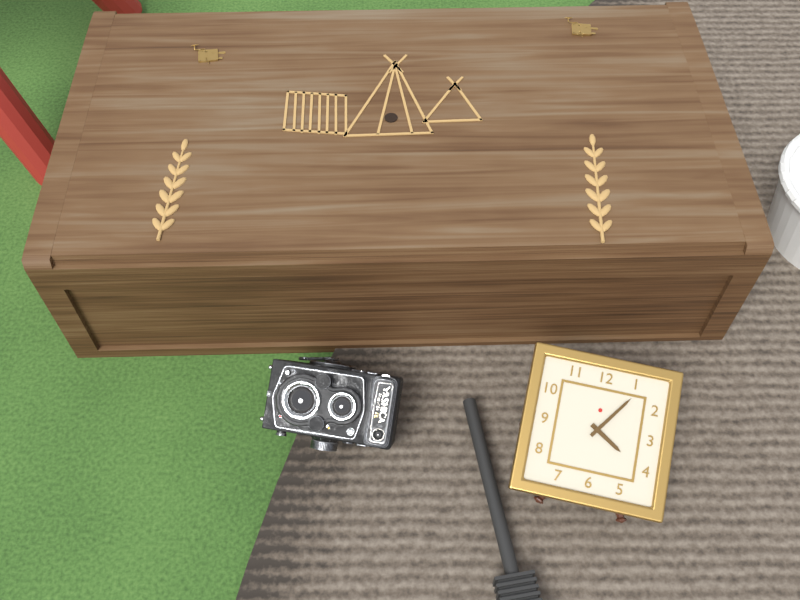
4:06
